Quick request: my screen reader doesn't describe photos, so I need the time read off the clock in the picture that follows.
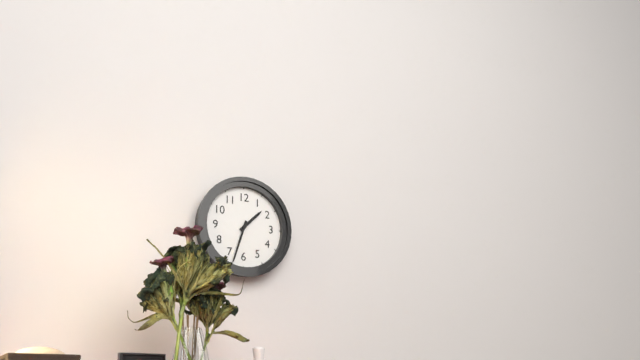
1:33
